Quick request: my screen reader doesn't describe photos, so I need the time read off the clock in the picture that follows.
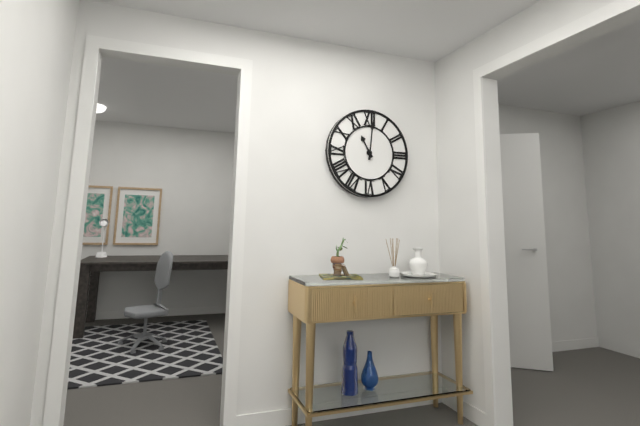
11:01
